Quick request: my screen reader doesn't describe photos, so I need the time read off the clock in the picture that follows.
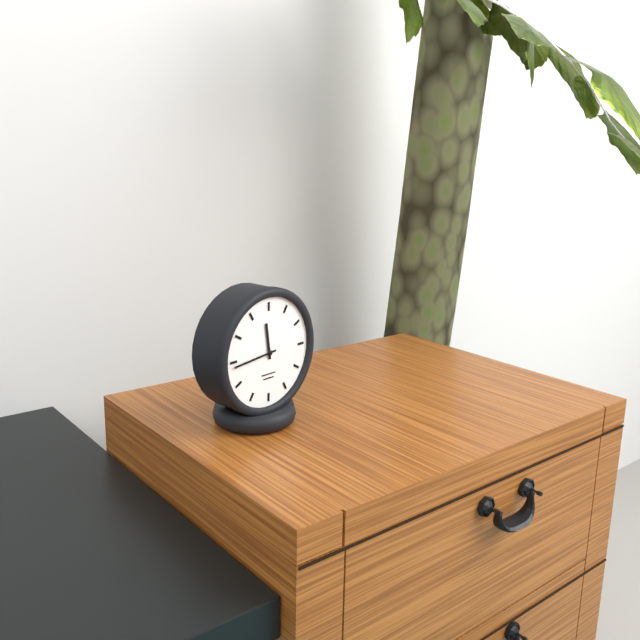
11:44
